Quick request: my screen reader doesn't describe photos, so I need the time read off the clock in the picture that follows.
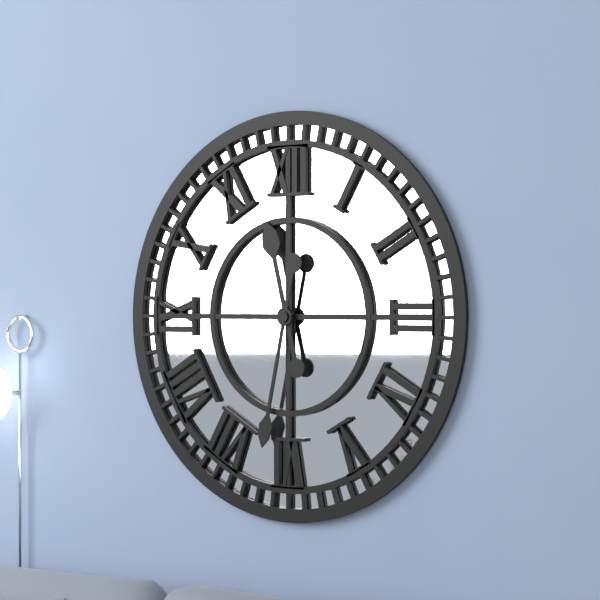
11:32
